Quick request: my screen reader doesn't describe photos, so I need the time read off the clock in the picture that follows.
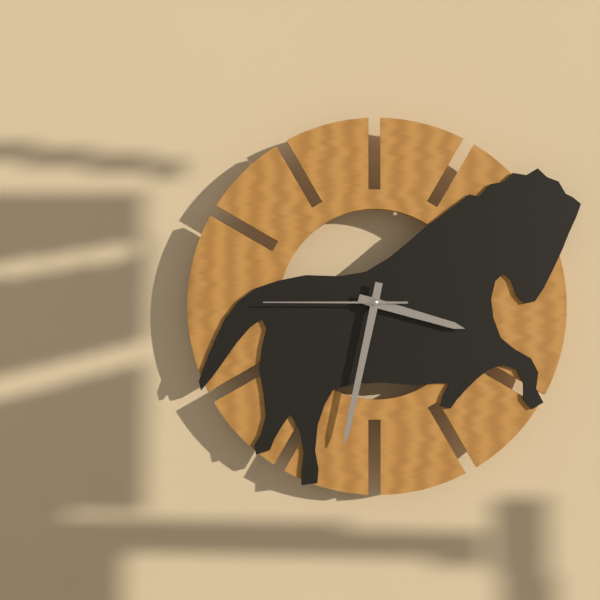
3:32:45
